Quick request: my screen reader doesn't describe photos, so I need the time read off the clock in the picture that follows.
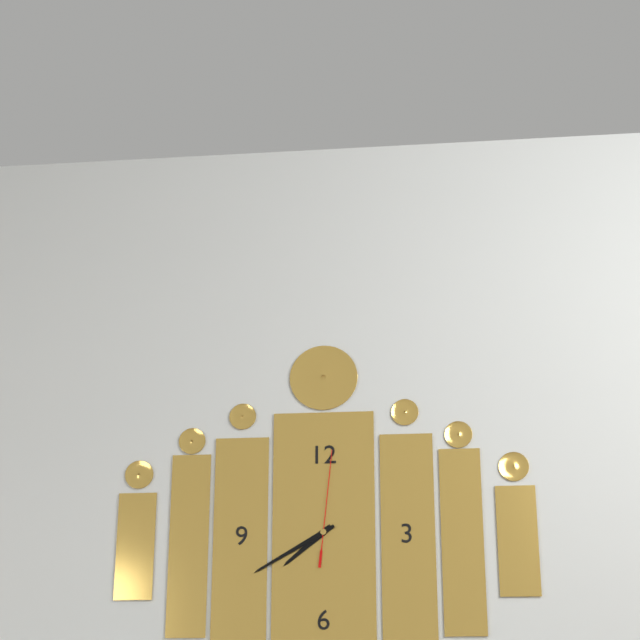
7:40:01
